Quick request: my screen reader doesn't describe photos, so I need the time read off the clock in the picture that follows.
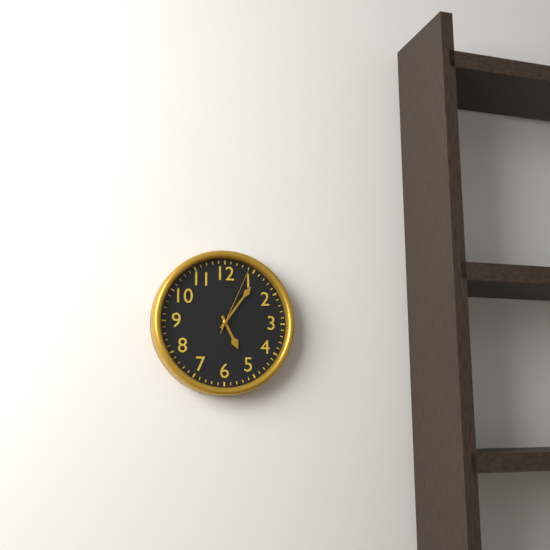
5:06:04
